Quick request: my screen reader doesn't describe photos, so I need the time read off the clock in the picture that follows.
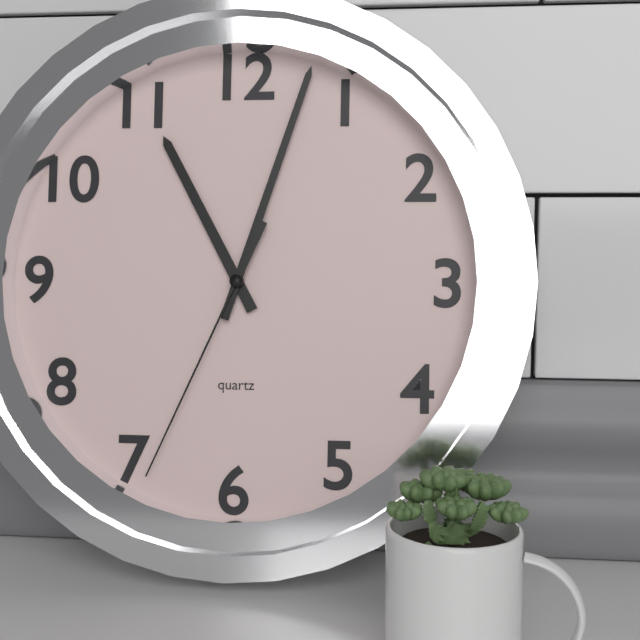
11:03:34
